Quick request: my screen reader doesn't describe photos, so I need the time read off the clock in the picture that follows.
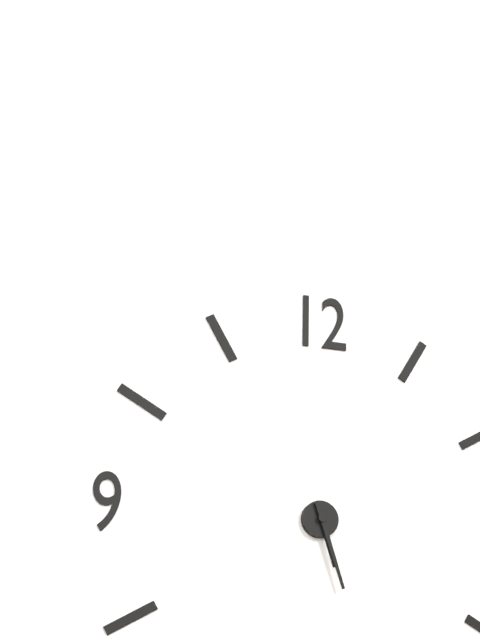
5:27
